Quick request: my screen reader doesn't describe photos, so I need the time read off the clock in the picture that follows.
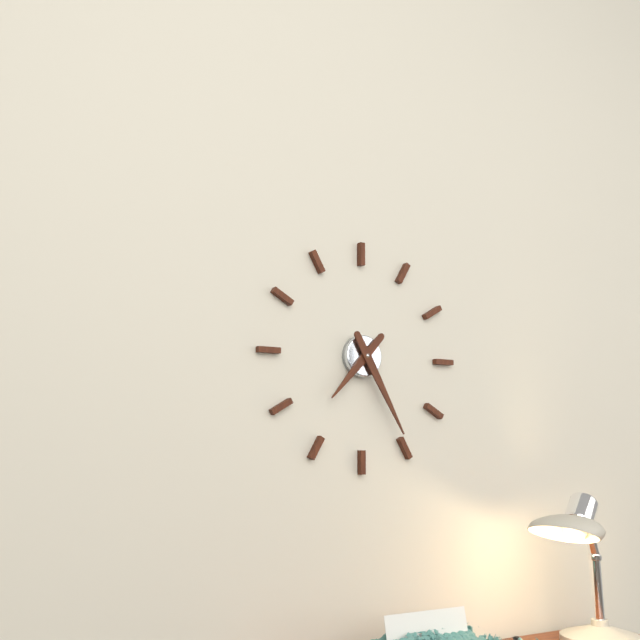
7:25
